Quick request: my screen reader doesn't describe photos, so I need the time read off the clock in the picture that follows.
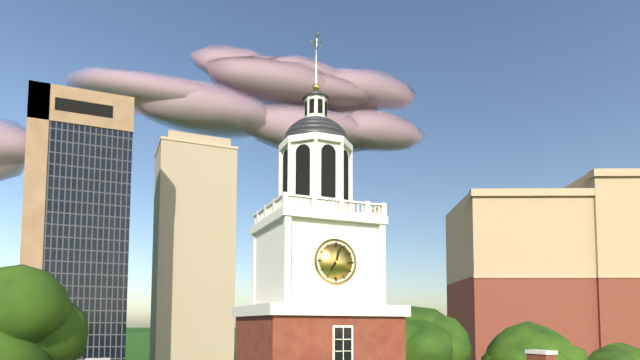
7:03
